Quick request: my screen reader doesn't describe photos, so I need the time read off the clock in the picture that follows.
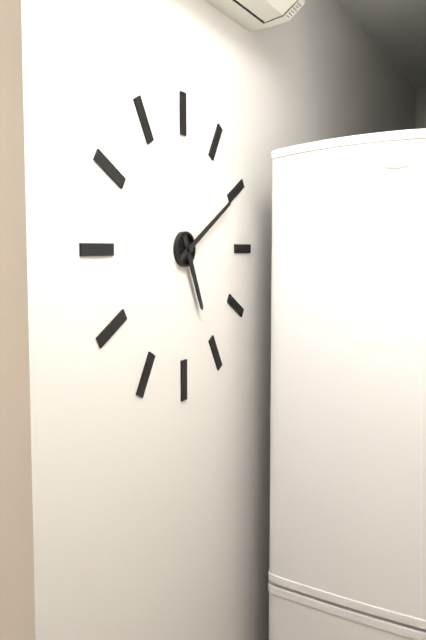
5:10
